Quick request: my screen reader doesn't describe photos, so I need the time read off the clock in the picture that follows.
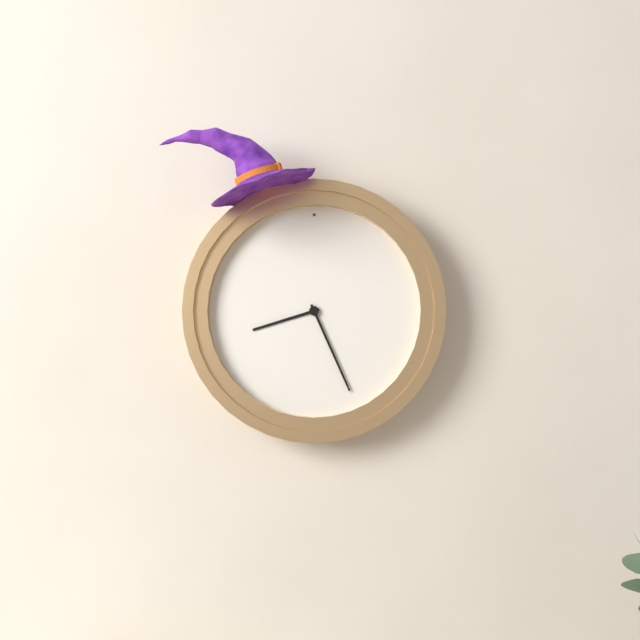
8:26
